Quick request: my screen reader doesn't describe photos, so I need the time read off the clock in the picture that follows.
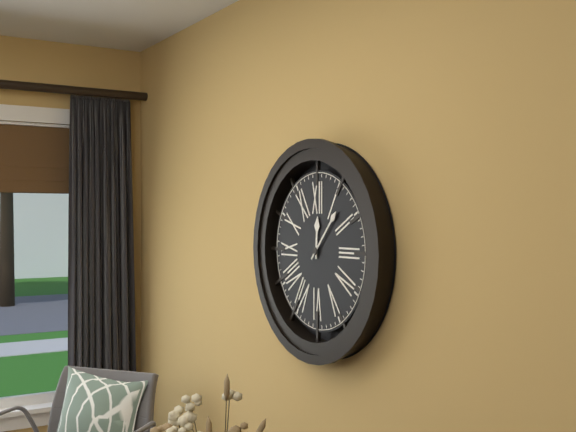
12:07
